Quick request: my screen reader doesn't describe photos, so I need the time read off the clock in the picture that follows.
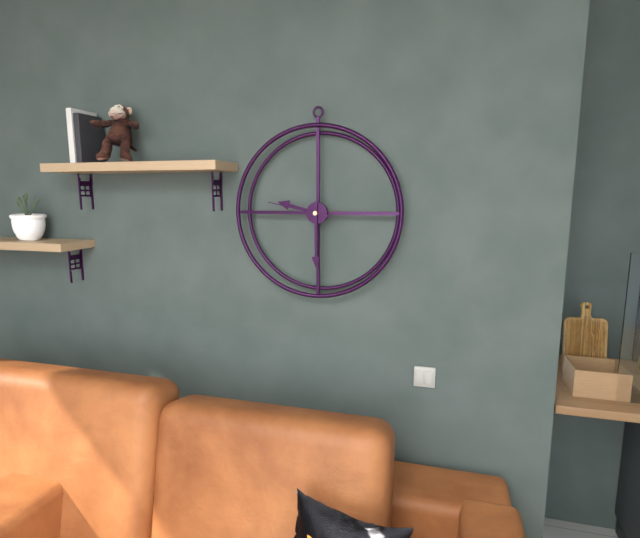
9:30:47
